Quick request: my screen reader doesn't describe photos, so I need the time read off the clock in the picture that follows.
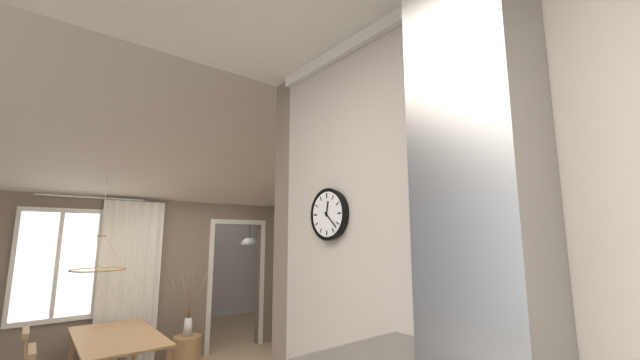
12:22
